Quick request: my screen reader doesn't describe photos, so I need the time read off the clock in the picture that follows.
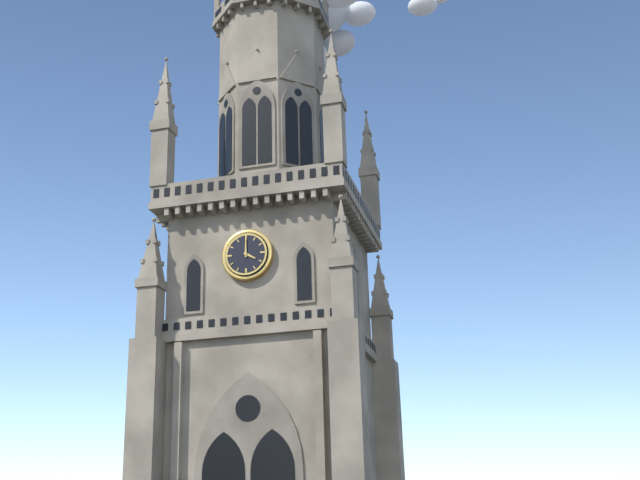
4:00
